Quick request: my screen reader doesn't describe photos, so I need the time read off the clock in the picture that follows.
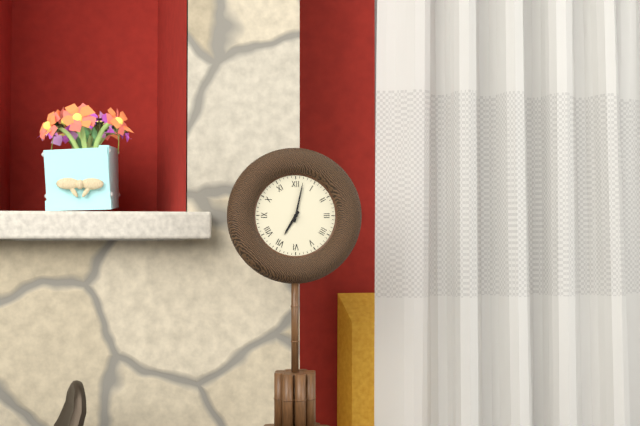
7:02
